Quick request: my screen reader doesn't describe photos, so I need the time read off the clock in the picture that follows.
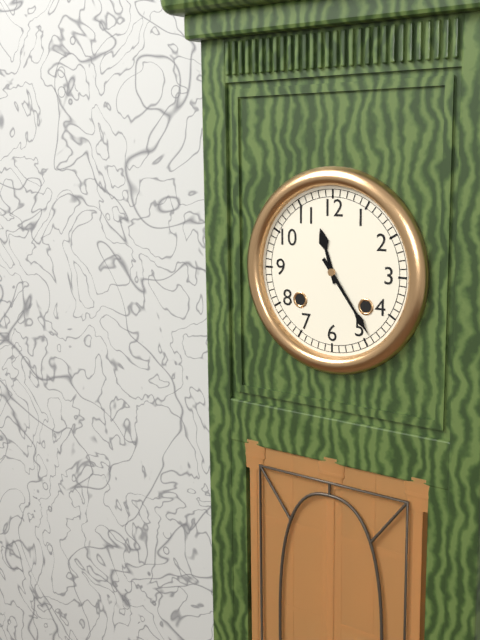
11:24
